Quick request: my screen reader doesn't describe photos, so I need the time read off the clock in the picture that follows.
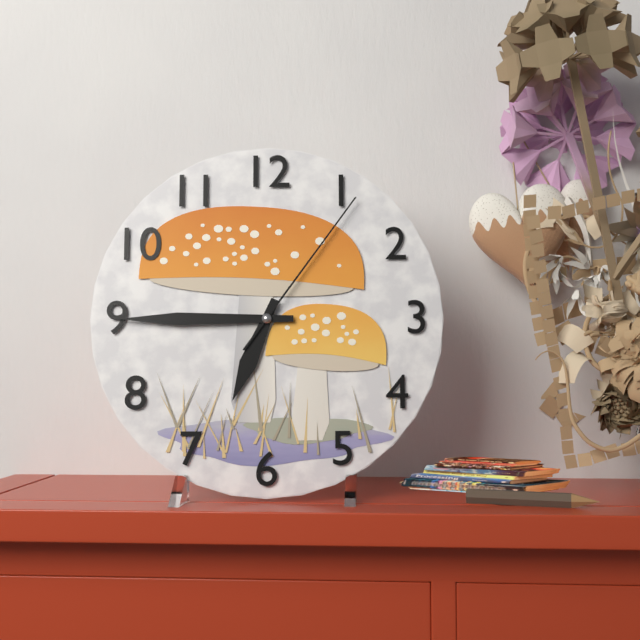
6:45:06
